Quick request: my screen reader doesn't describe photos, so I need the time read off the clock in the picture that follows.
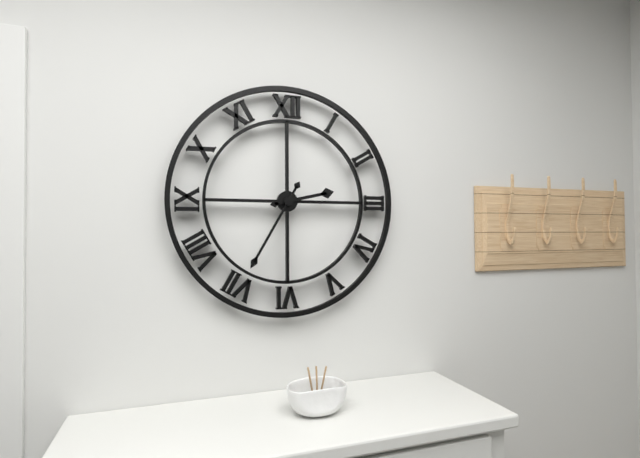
2:35
